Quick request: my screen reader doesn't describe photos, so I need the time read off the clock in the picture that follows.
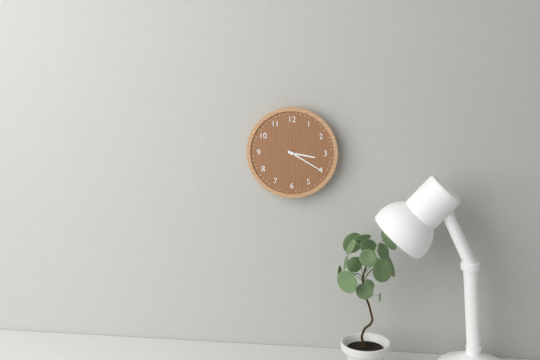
3:20
